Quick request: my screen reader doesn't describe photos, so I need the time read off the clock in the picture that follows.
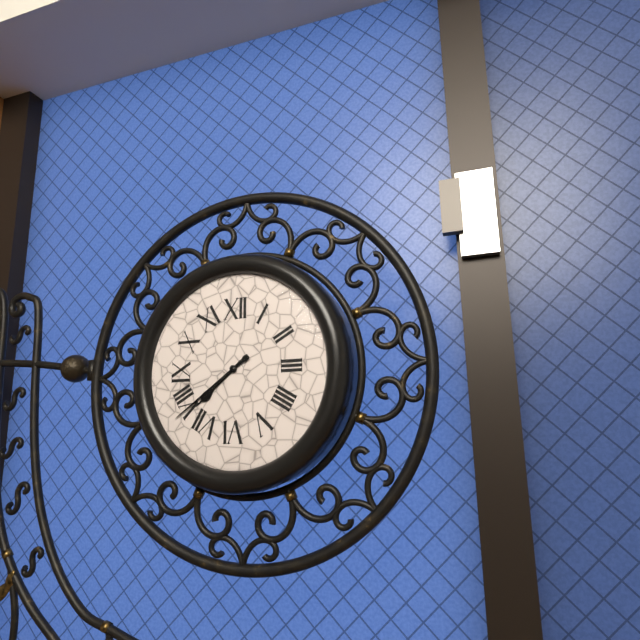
7:39
